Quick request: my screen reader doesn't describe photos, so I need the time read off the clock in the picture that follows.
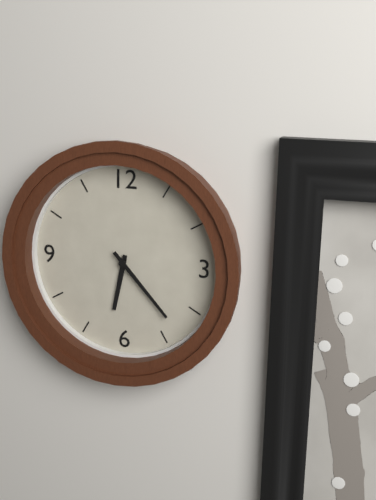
6:23
